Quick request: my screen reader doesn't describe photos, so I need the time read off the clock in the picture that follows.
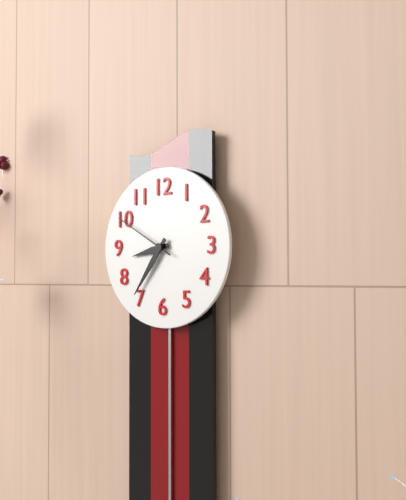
8:36:50
